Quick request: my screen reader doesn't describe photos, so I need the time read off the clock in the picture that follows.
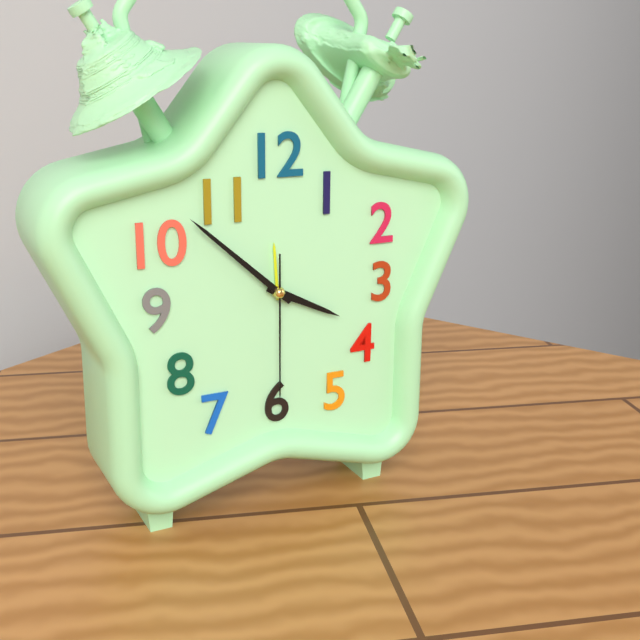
3:52:30
